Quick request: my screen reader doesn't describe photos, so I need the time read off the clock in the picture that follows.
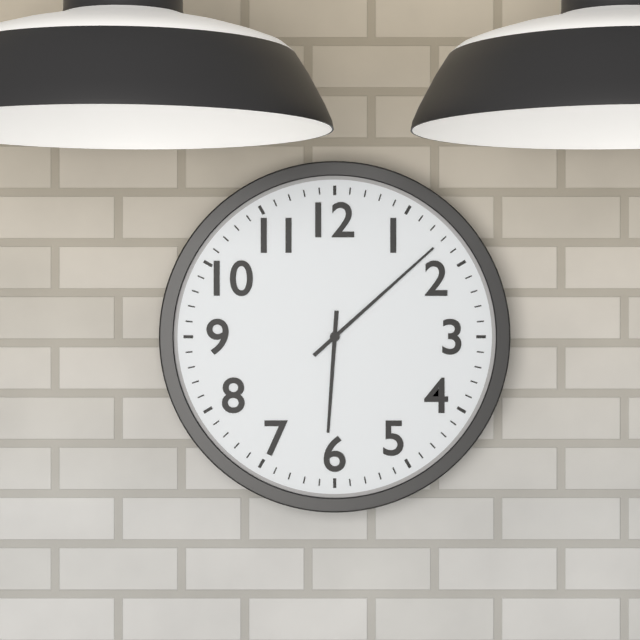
6:08
